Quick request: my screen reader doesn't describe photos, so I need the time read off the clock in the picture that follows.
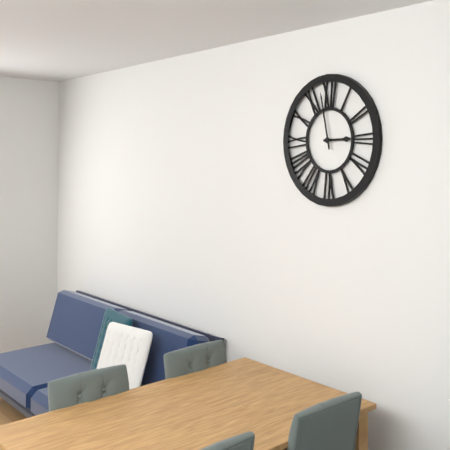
2:58
